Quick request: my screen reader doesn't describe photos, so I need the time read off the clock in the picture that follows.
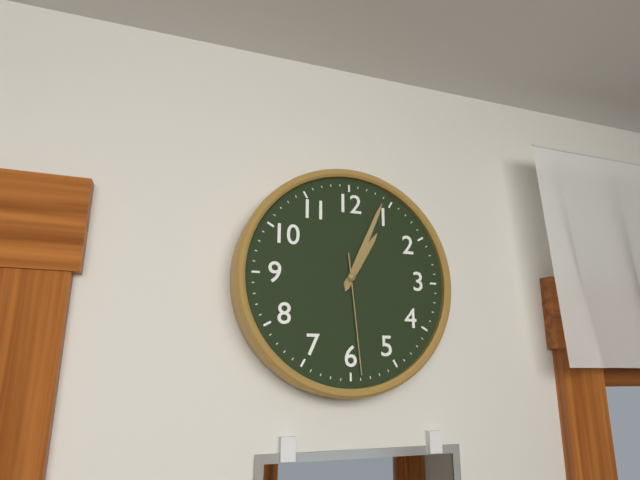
1:04:29
